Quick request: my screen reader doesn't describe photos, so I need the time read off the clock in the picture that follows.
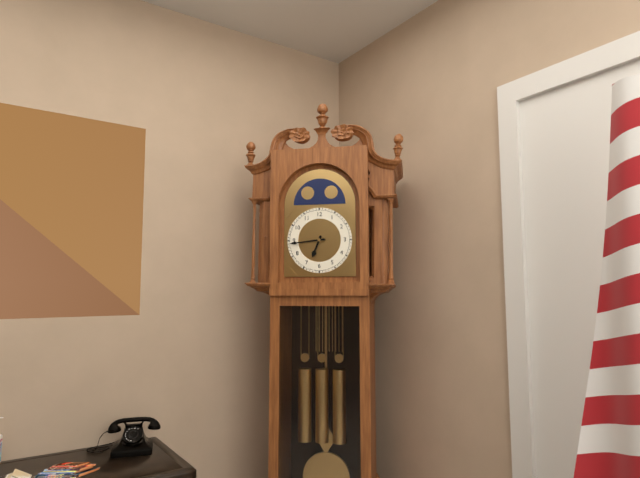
6:44
